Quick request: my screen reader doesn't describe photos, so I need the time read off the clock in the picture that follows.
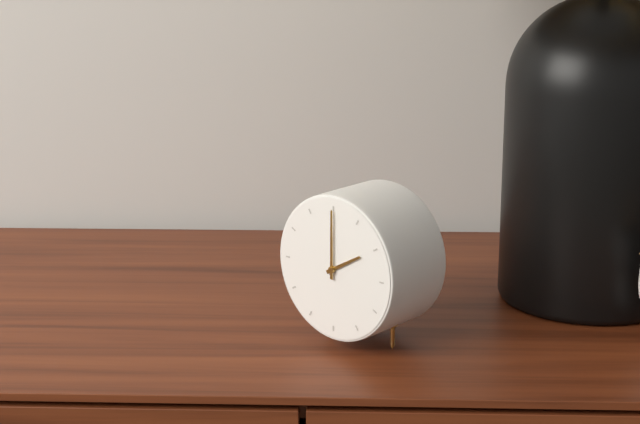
2:00
